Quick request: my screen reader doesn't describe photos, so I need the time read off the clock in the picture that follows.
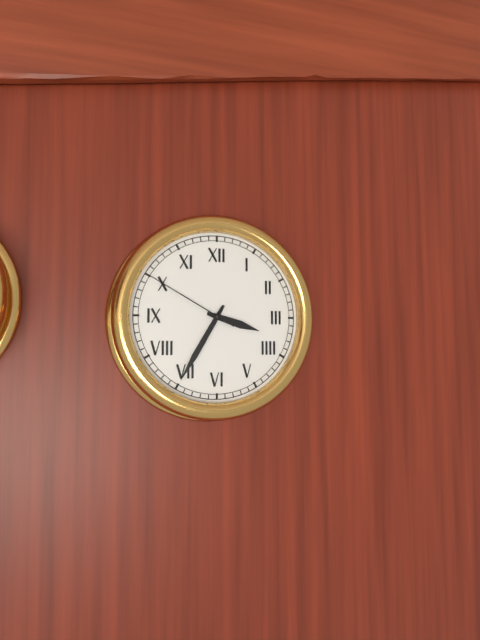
3:35:50
